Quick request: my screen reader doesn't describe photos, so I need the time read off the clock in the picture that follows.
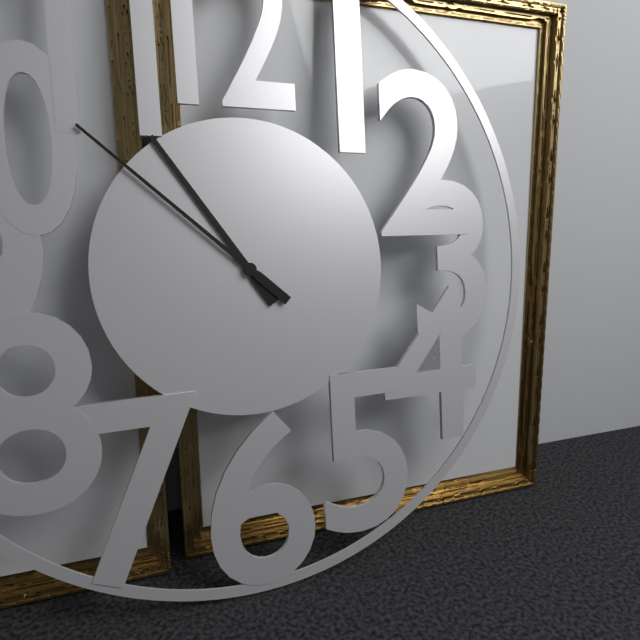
10:52
